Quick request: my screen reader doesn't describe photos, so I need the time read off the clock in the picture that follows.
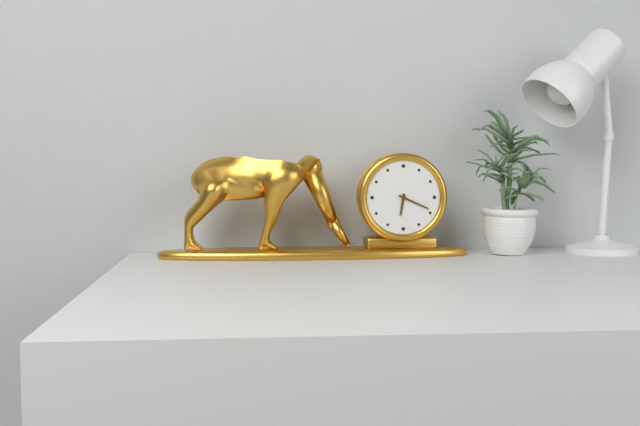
6:19
